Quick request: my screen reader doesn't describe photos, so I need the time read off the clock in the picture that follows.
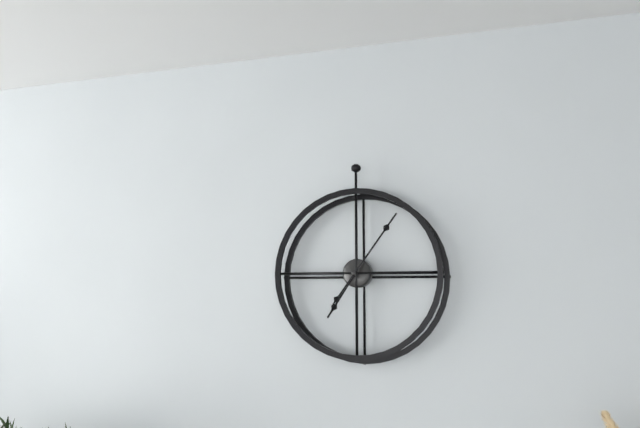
7:06
